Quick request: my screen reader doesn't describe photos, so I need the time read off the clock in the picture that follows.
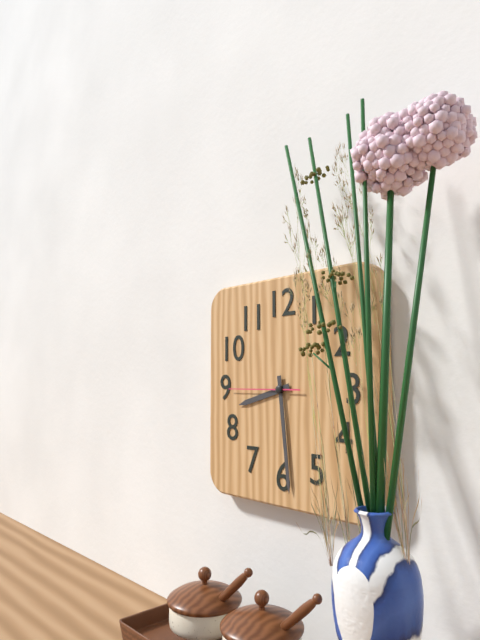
8:29:45
